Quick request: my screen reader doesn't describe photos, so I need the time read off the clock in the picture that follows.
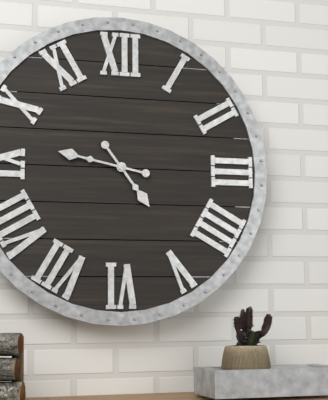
4:47
